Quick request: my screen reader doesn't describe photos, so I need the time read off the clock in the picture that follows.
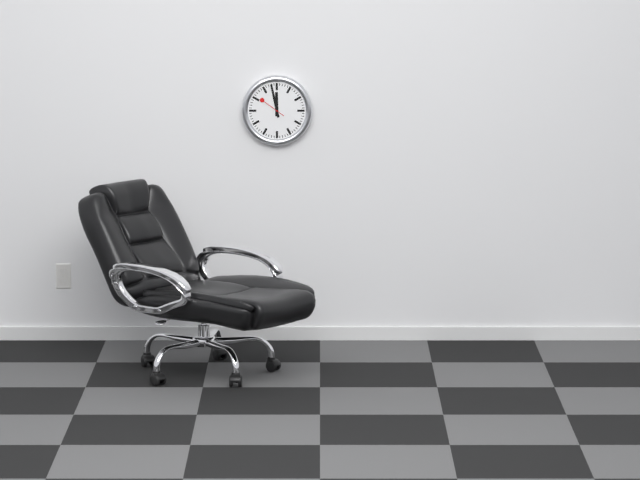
11:58
